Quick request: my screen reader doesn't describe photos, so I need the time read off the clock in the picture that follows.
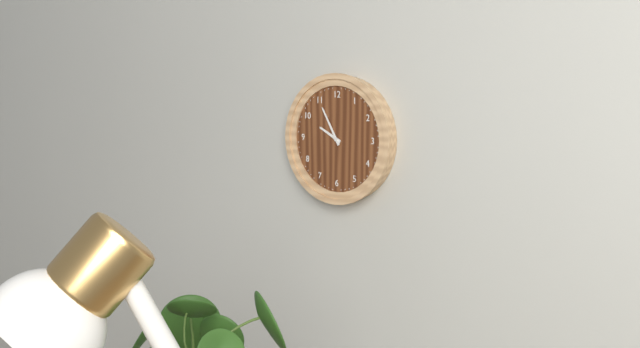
9:55
